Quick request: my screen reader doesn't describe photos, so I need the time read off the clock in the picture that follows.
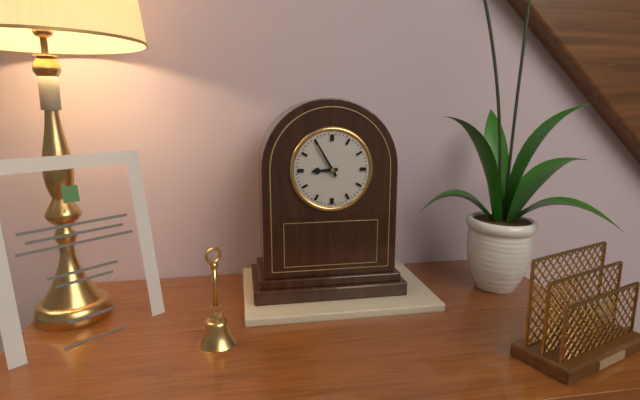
8:55
